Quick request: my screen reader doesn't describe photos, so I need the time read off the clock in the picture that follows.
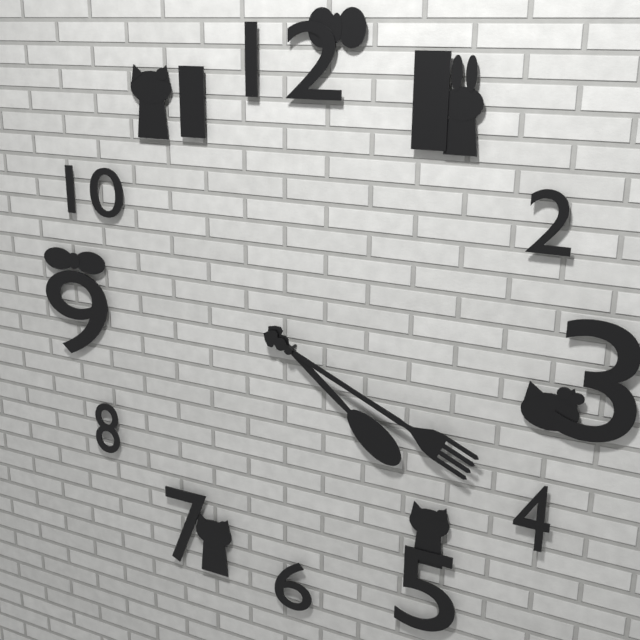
4:19
